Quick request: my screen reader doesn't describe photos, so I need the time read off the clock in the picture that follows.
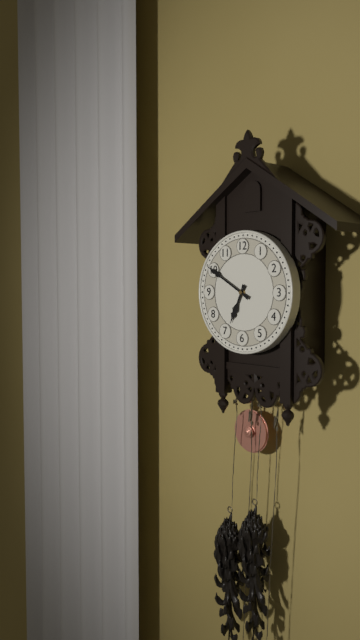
6:50
